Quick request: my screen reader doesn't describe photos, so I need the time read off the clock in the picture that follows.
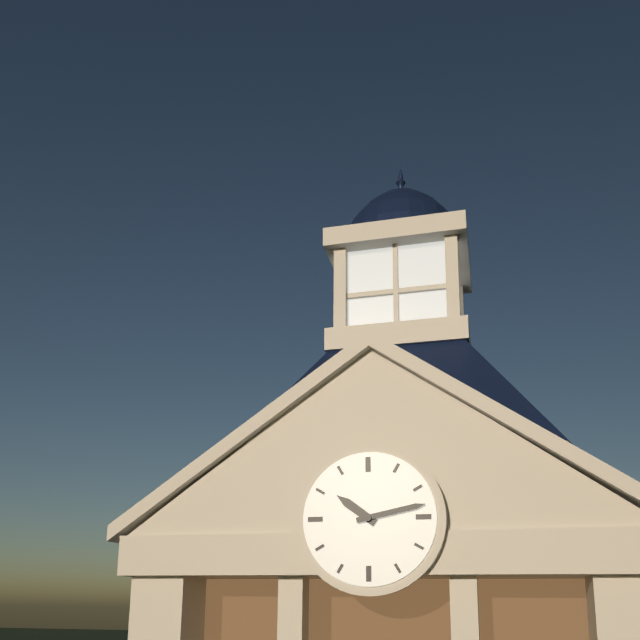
10:13
